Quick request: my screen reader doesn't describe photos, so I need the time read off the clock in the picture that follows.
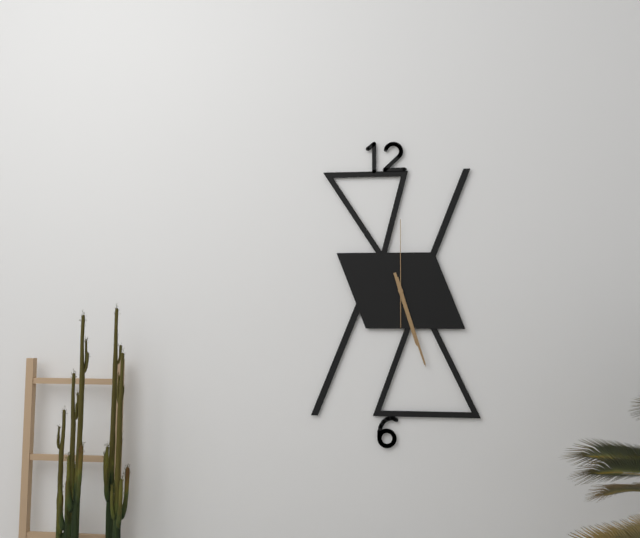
5:27:00
